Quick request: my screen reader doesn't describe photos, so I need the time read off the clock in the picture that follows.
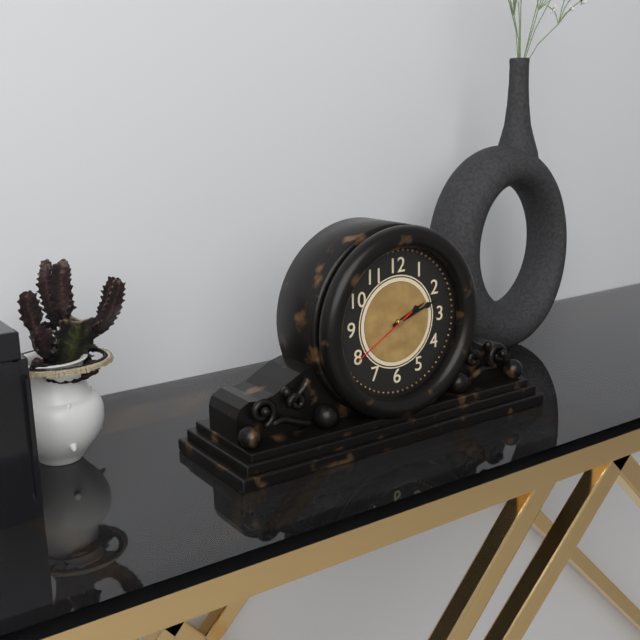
2:12:40
